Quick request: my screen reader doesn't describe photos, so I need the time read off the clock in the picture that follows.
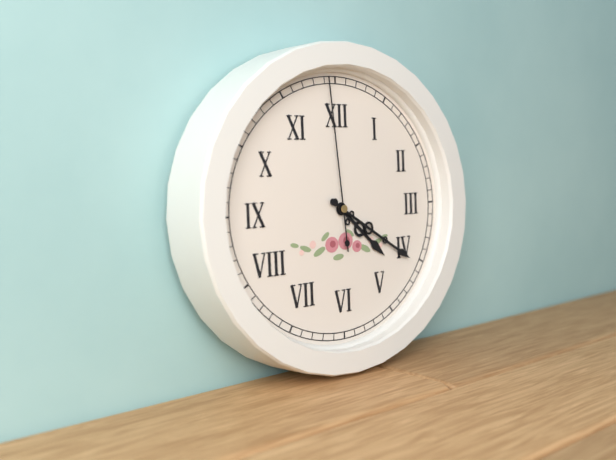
4:20:59
